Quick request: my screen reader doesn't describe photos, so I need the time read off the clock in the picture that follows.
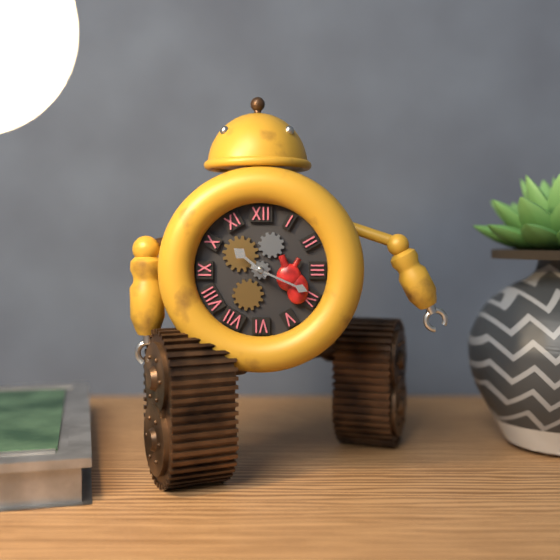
10:19
